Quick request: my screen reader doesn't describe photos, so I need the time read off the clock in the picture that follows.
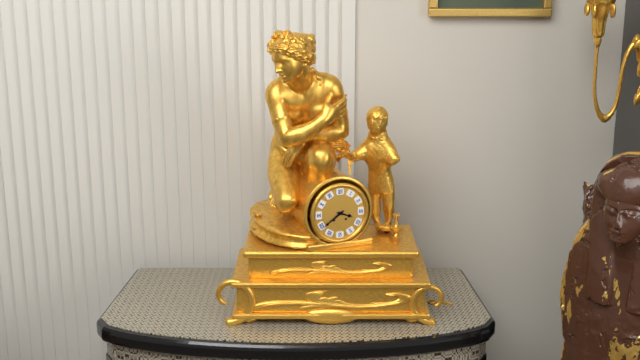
3:39
